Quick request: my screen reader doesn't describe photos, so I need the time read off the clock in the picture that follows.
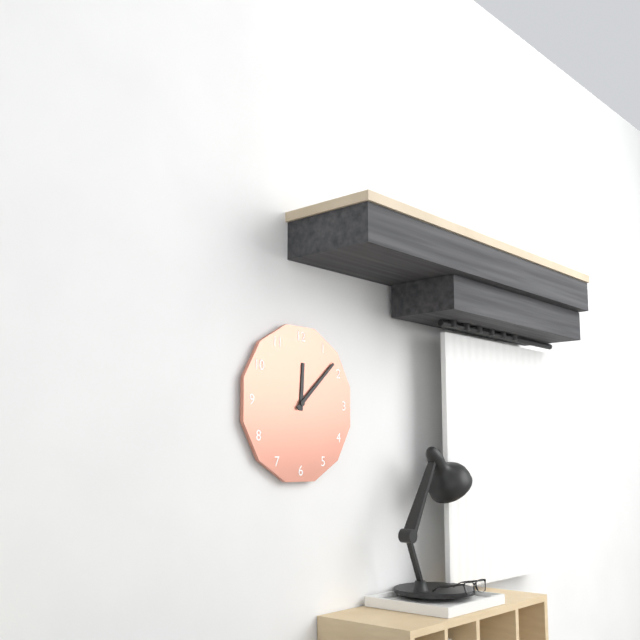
12:08
